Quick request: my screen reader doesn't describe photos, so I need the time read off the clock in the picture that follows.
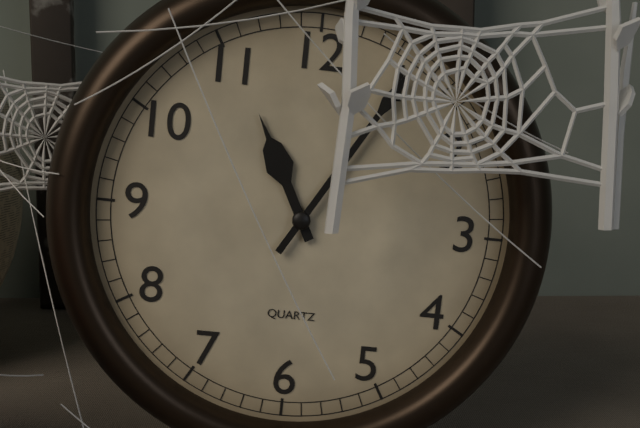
11:05
